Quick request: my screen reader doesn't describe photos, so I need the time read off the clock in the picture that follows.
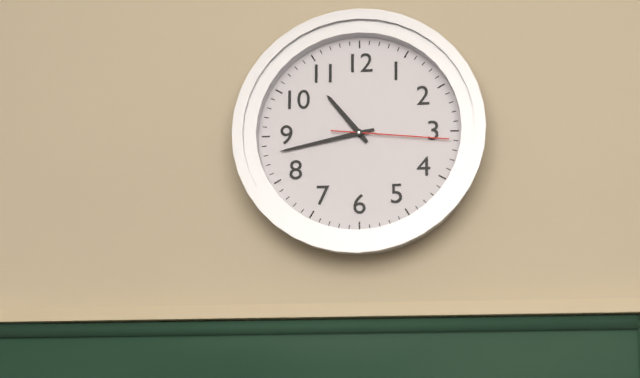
10:43:16
